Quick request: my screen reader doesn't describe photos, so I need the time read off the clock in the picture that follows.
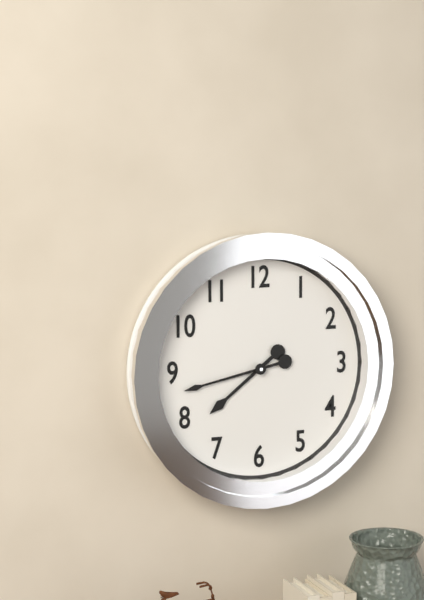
7:43
